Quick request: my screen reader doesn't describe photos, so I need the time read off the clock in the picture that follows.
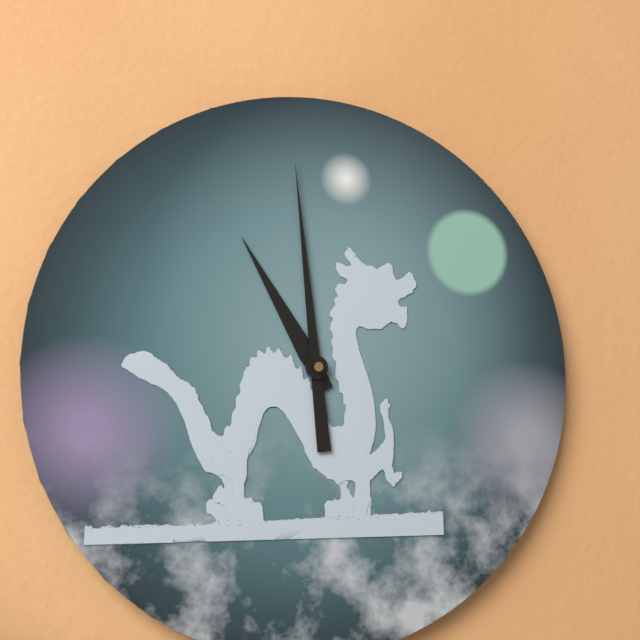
10:59
